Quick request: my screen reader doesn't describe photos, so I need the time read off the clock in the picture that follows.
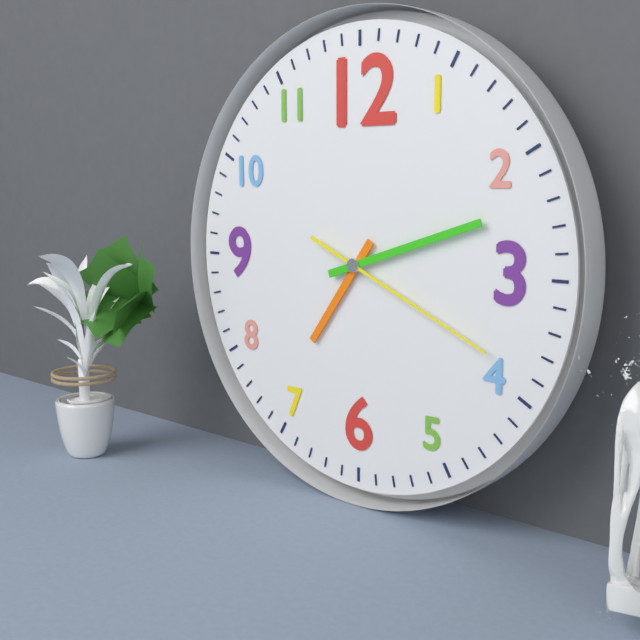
7:12:19
